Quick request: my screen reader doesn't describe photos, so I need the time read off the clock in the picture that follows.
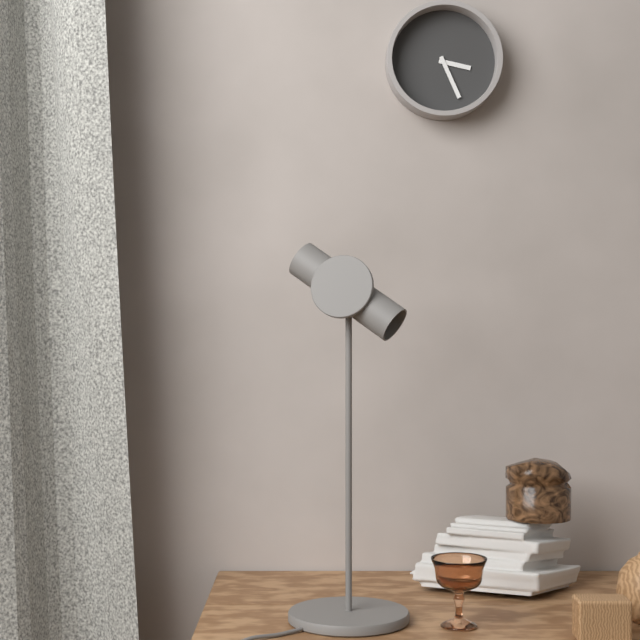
3:26
